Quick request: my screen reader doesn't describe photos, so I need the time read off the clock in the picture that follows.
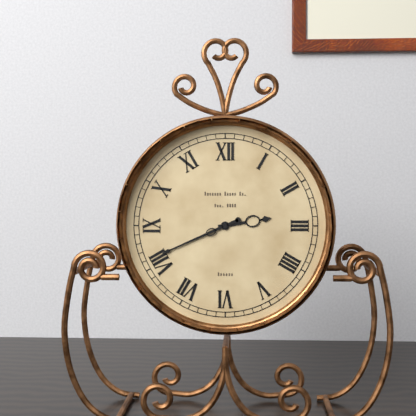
2:41
